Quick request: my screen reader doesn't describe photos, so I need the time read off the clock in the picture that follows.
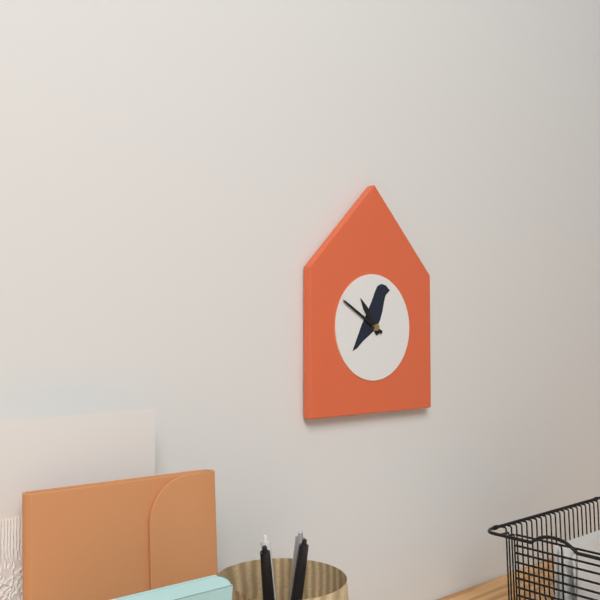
10:50
